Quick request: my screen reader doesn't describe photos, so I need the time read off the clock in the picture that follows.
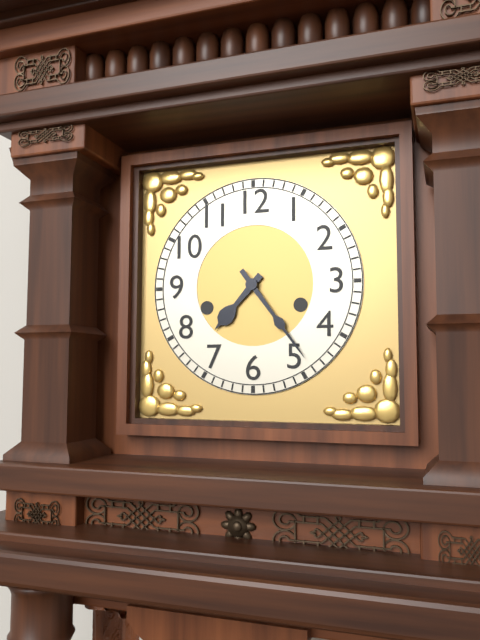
7:24
